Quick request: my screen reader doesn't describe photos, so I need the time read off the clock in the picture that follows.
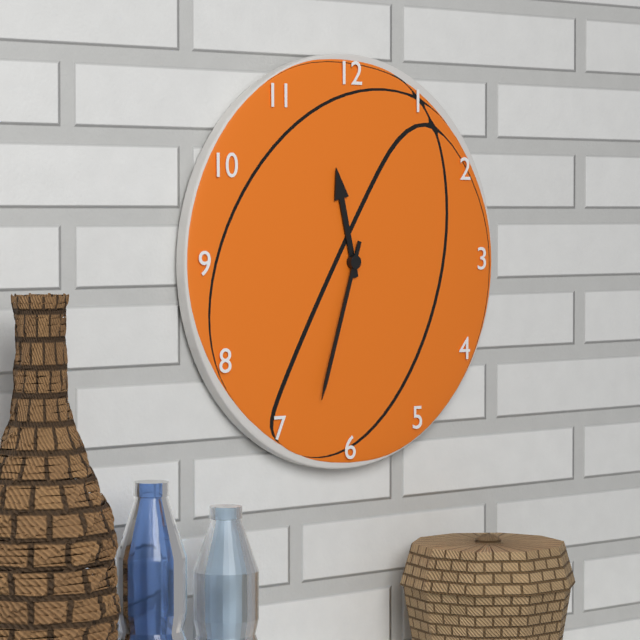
11:33
